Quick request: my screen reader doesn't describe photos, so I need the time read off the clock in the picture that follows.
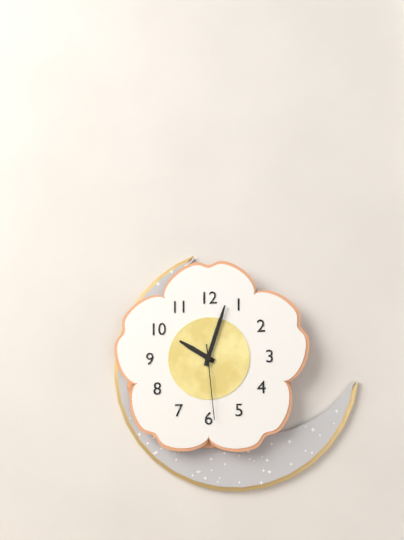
10:03:29
